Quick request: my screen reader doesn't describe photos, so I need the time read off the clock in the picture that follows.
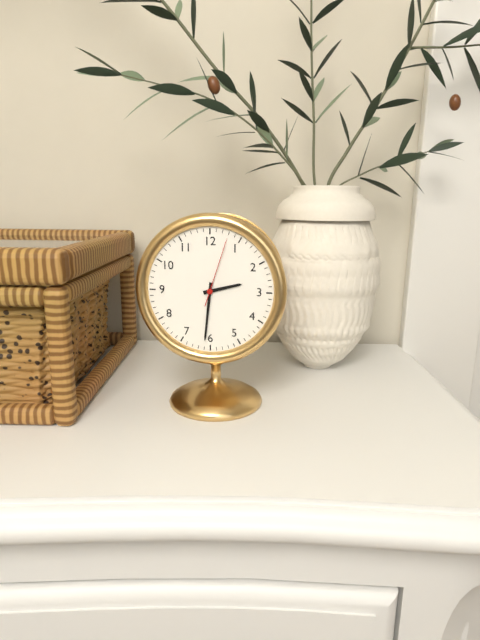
2:31:03
